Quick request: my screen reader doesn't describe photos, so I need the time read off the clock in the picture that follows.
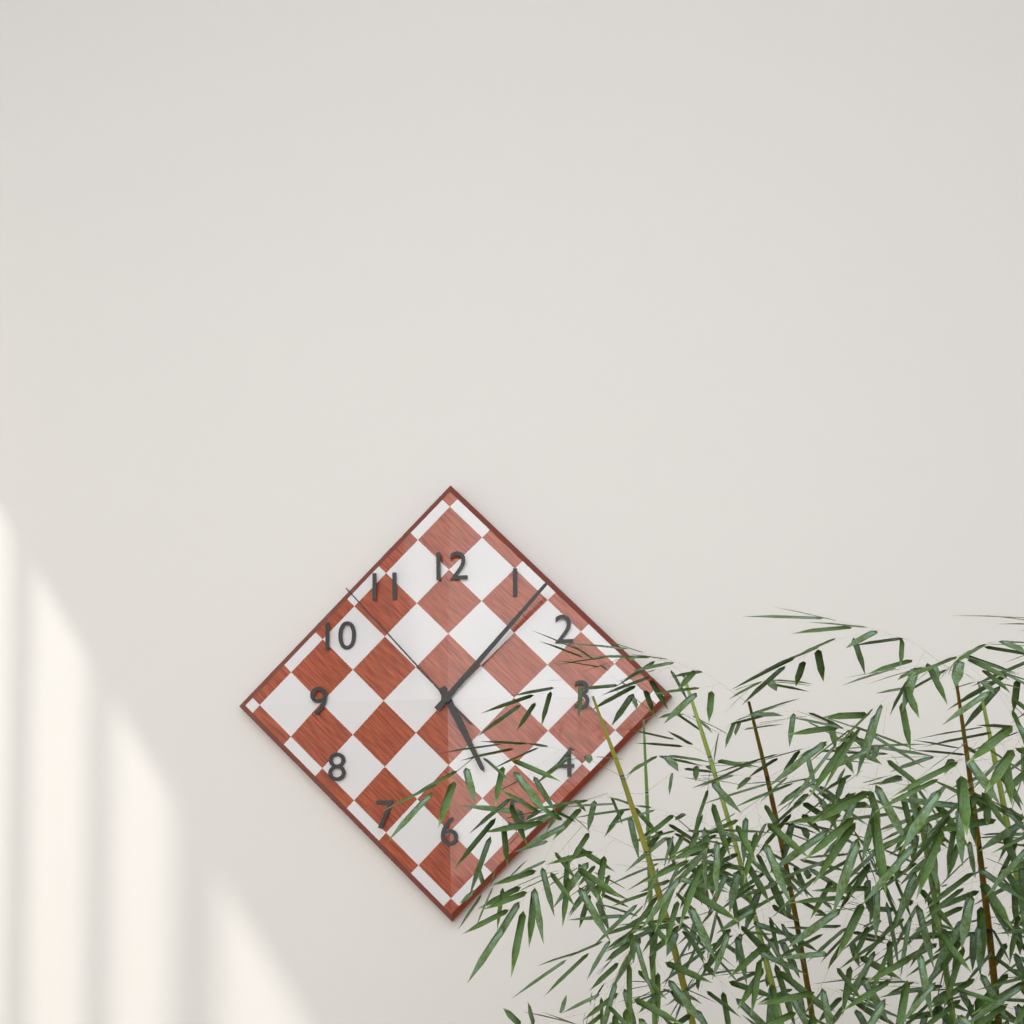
5:07:53
